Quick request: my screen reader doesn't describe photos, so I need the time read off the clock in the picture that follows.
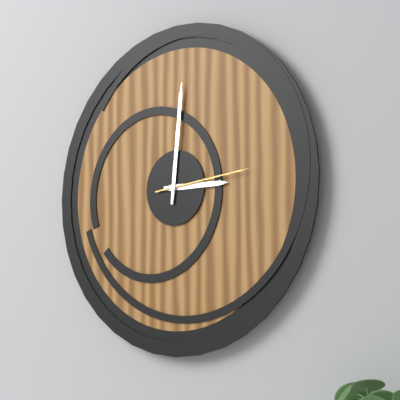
3:01:14
